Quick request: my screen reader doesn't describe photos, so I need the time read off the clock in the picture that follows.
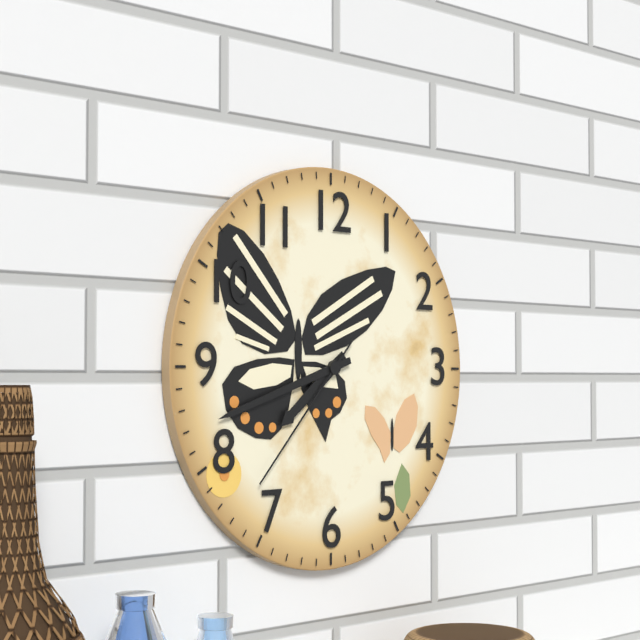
7:42:37
